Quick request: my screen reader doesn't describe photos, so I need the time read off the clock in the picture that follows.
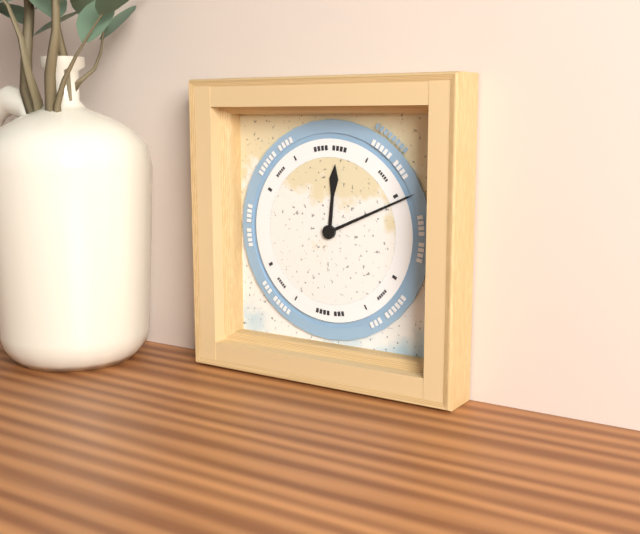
12:11
